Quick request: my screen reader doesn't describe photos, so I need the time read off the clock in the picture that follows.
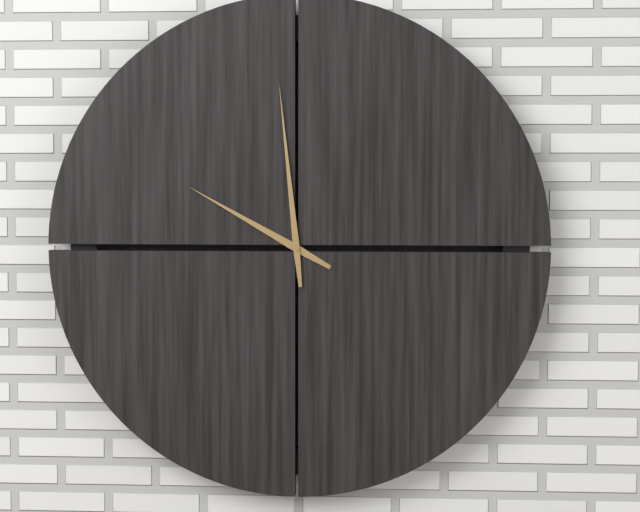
9:59
